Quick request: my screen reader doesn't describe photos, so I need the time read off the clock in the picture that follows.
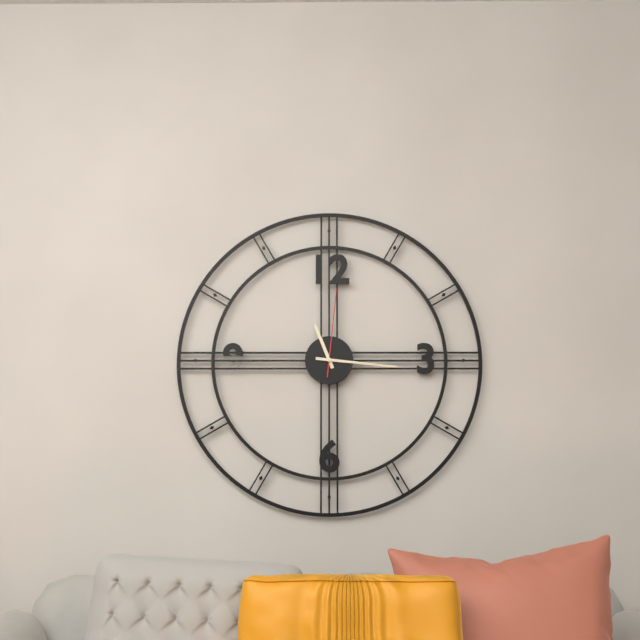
11:16:01
